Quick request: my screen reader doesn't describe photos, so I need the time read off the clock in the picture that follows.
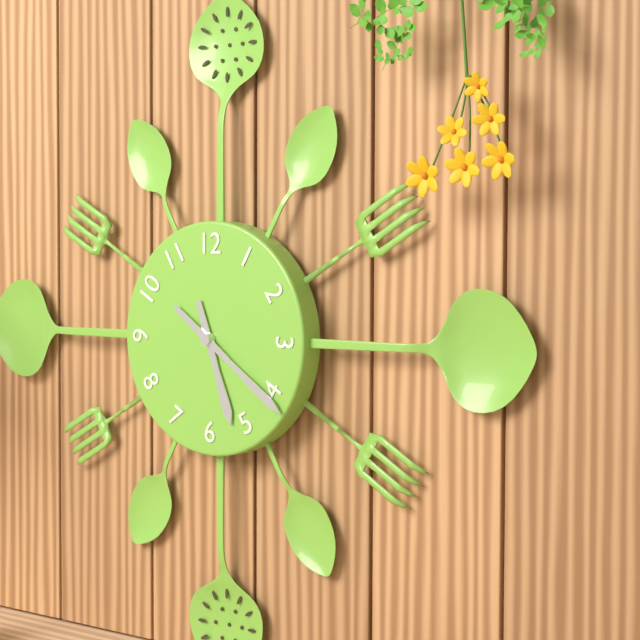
5:21
